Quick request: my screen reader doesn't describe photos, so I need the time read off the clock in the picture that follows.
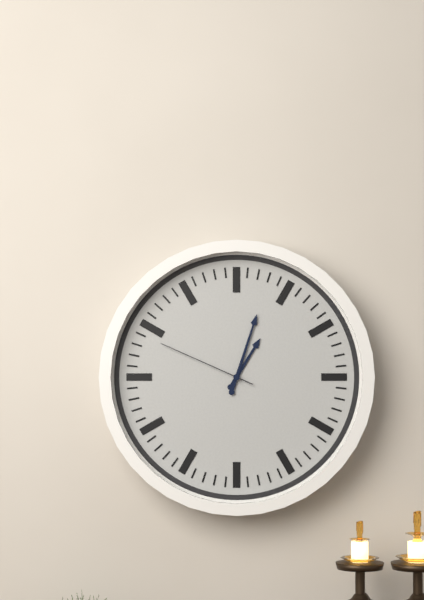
1:03:49
